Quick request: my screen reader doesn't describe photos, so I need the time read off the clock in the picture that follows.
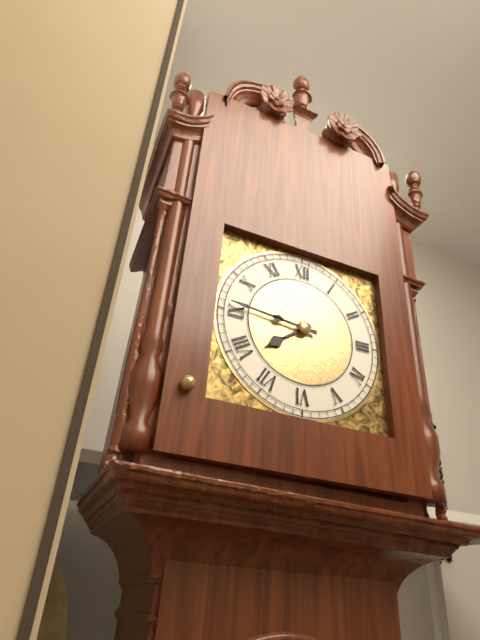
7:46
